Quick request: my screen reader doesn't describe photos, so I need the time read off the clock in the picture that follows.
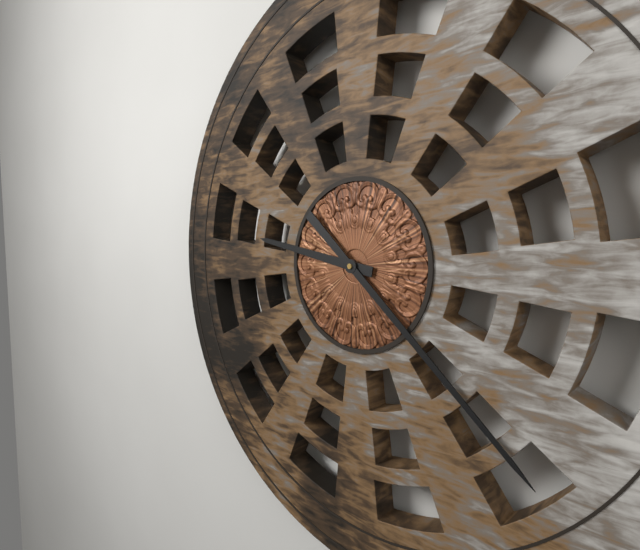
9:22
